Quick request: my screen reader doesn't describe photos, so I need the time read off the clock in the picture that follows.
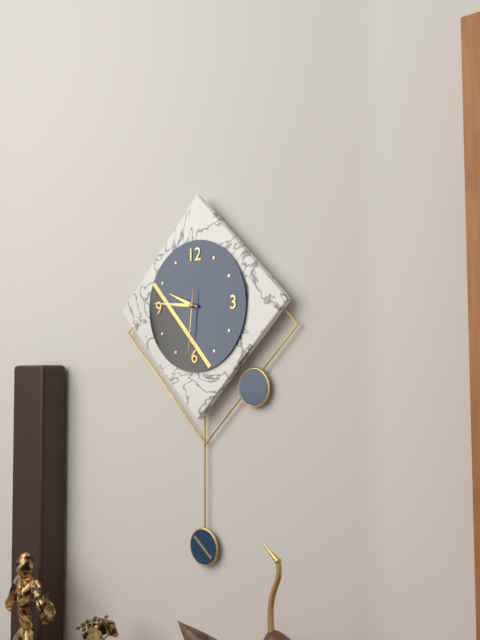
9:46:31
